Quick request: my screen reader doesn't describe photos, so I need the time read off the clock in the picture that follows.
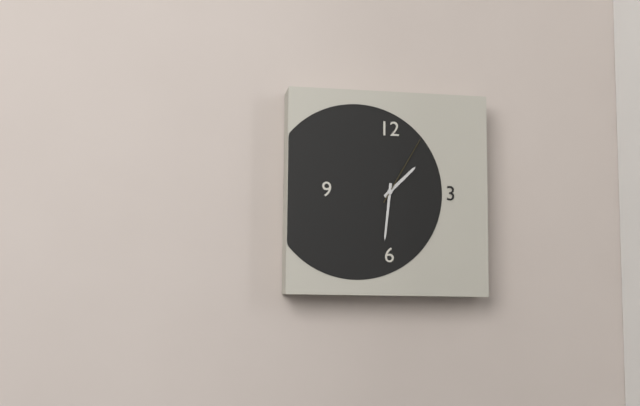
1:31:05
